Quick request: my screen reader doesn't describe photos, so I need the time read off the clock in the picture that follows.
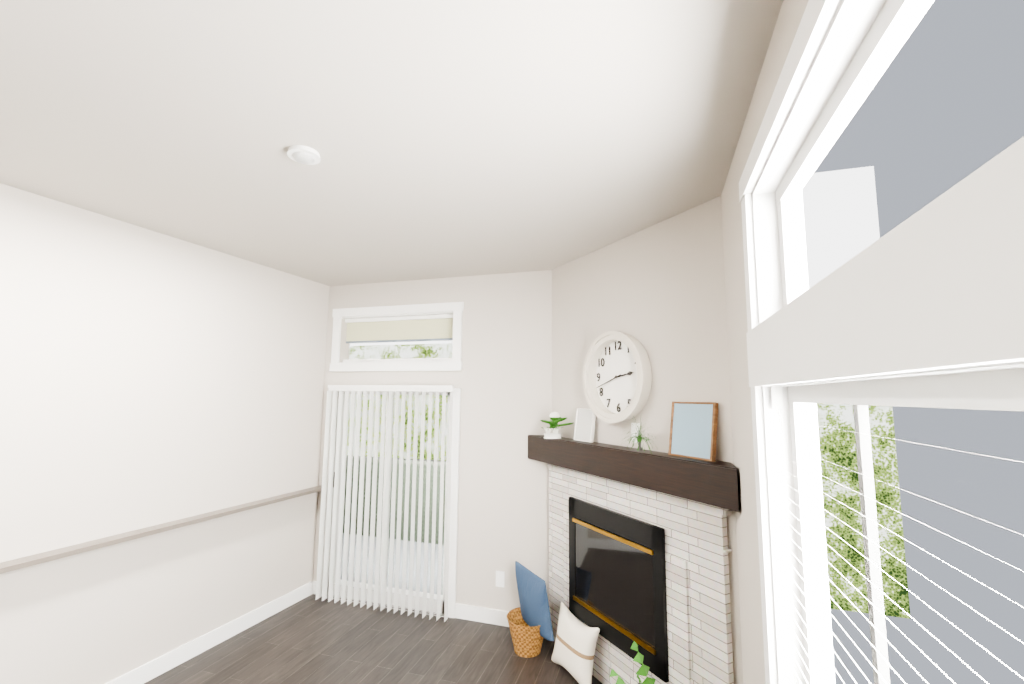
2:42
